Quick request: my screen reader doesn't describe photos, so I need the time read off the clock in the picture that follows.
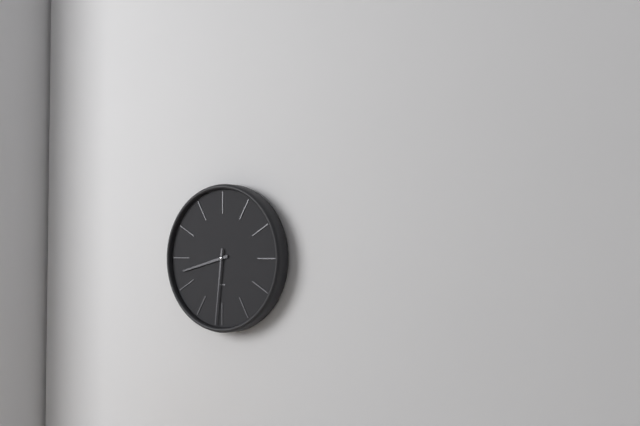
8:31
